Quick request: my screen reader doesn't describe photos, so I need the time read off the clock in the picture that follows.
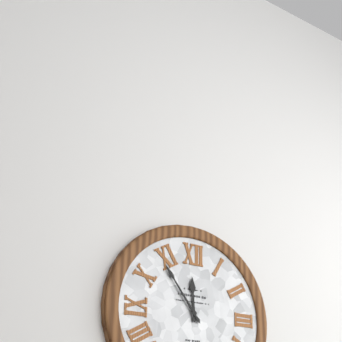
11:54
